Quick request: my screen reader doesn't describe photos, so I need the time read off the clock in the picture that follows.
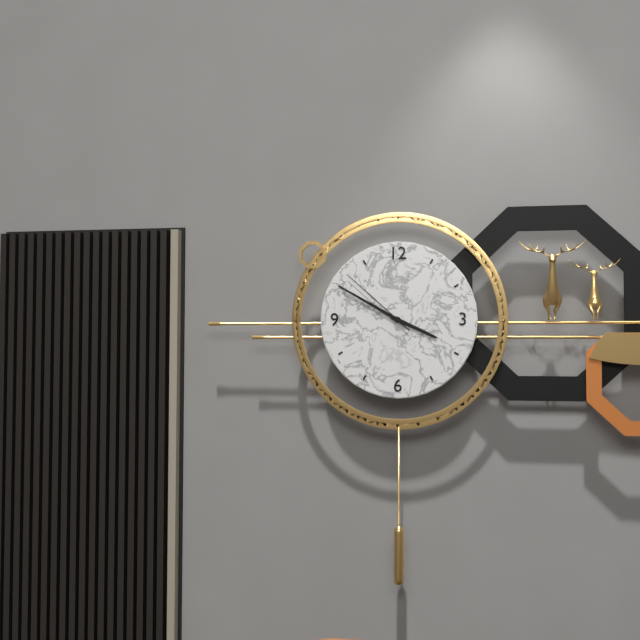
3:50:52
